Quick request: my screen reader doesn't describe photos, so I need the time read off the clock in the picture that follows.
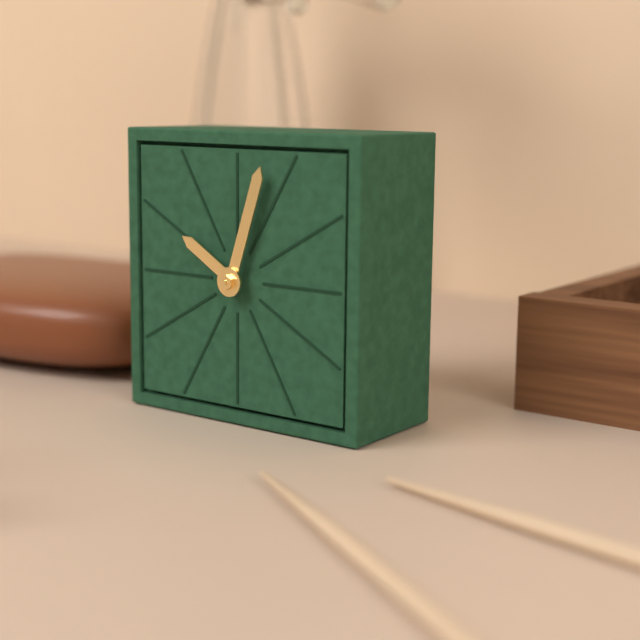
10:03
